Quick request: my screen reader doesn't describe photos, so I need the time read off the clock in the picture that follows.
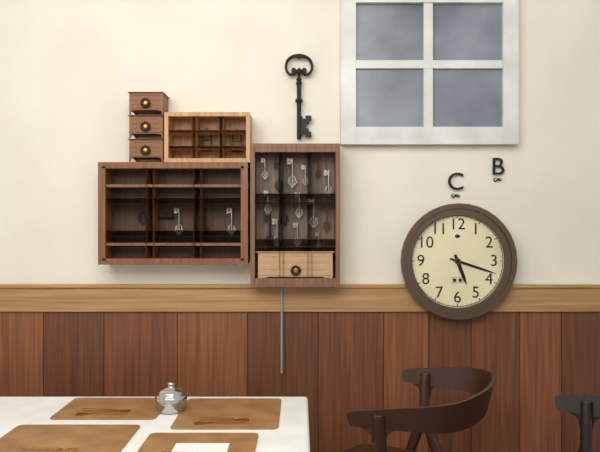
5:18
